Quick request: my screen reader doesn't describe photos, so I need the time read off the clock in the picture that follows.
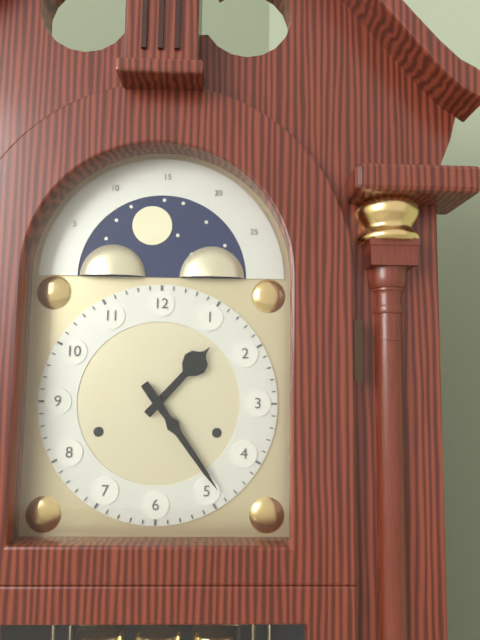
1:24
